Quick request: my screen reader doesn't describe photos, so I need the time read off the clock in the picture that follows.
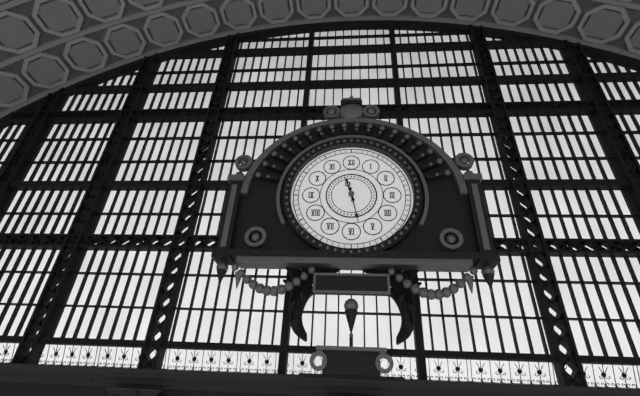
11:28
